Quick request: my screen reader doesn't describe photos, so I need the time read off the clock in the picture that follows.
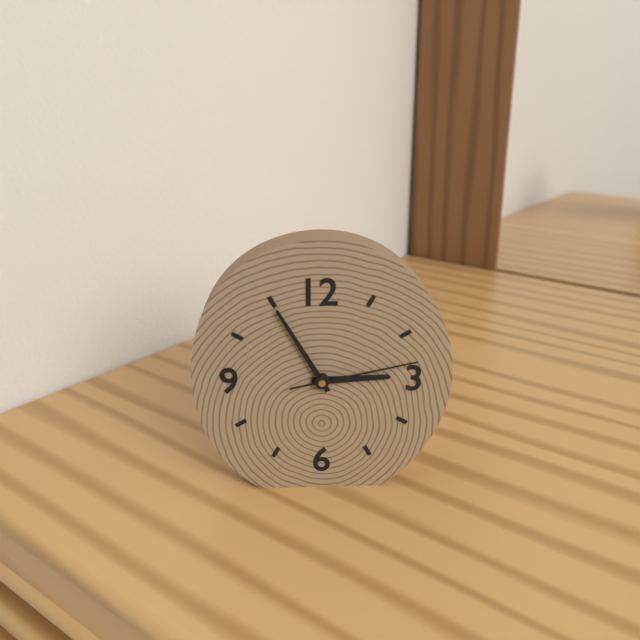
2:55:13
